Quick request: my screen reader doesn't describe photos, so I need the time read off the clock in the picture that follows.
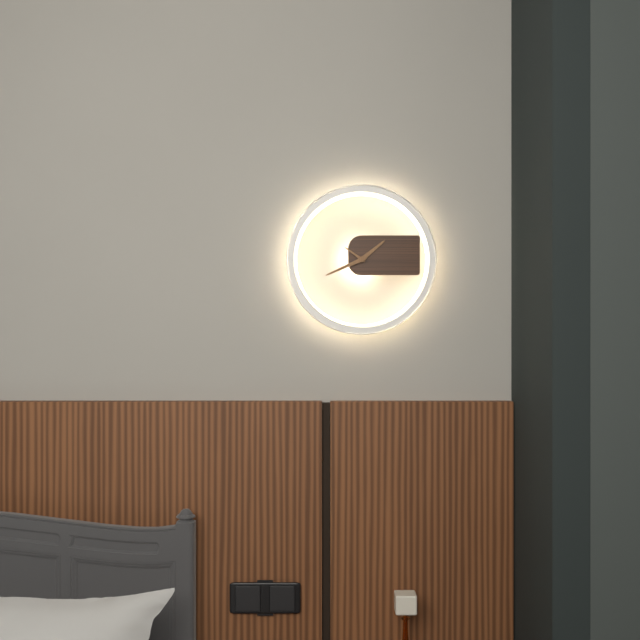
1:41
